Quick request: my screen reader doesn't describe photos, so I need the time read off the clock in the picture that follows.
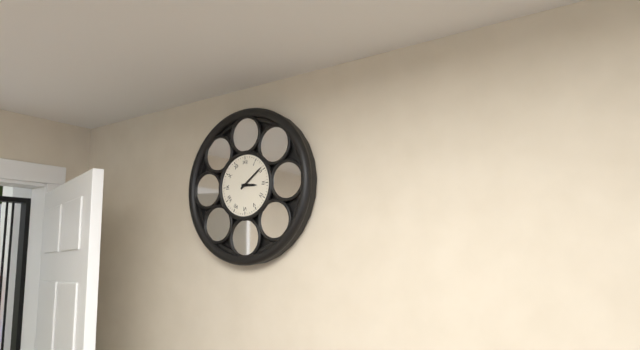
3:09
